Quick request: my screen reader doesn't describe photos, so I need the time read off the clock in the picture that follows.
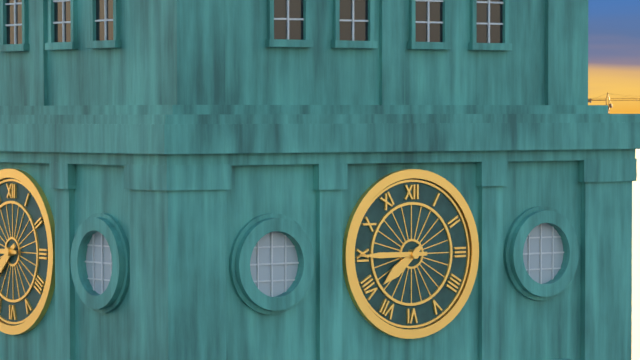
7:45
